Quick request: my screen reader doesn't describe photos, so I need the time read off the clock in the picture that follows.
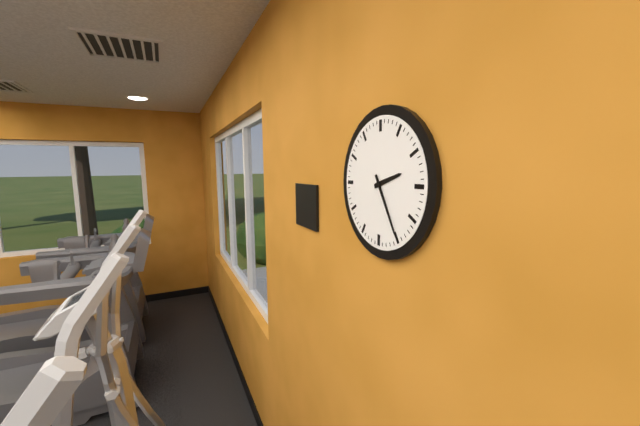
2:25
